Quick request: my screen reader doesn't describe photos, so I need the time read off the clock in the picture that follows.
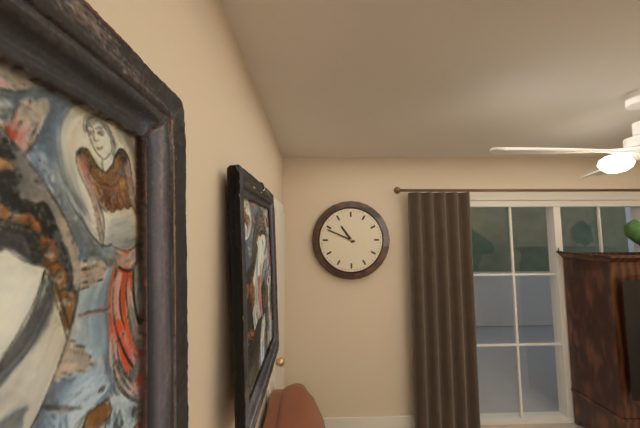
10:49
